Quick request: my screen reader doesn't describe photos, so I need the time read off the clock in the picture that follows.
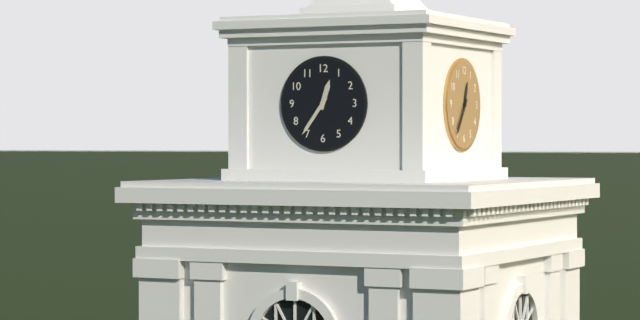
12:36
